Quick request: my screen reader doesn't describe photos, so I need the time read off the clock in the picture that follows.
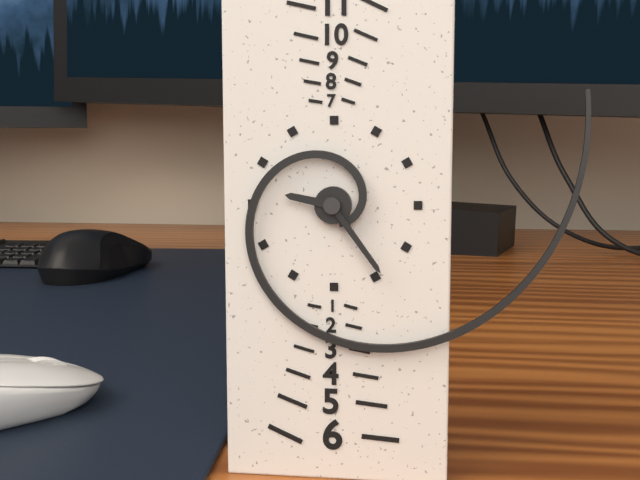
9:24
